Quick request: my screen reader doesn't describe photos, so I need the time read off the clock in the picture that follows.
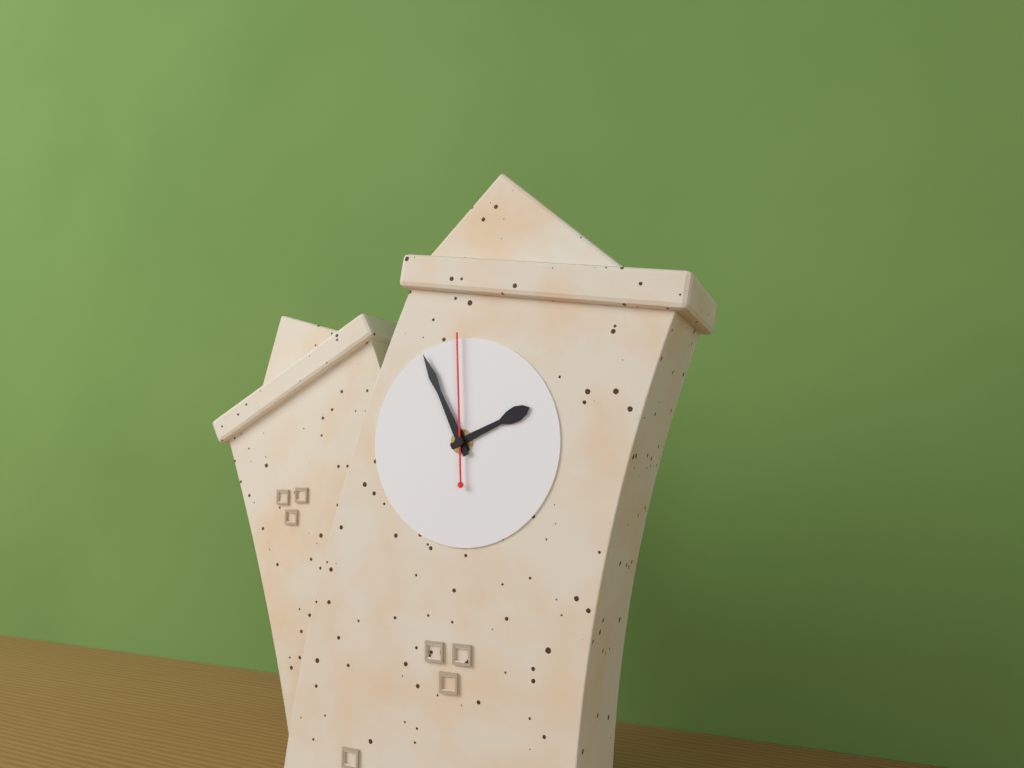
1:54:58
